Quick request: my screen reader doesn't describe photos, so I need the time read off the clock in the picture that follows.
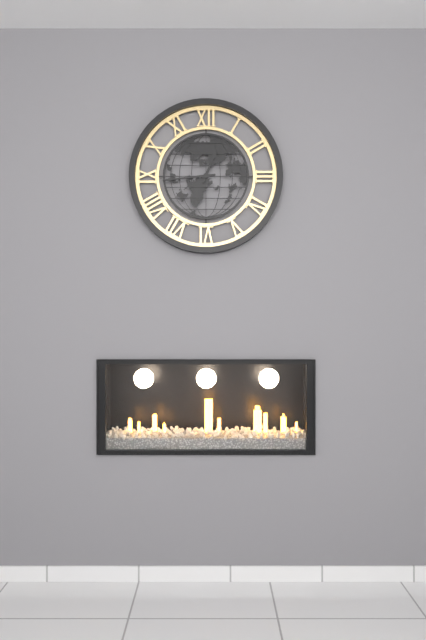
12:44
